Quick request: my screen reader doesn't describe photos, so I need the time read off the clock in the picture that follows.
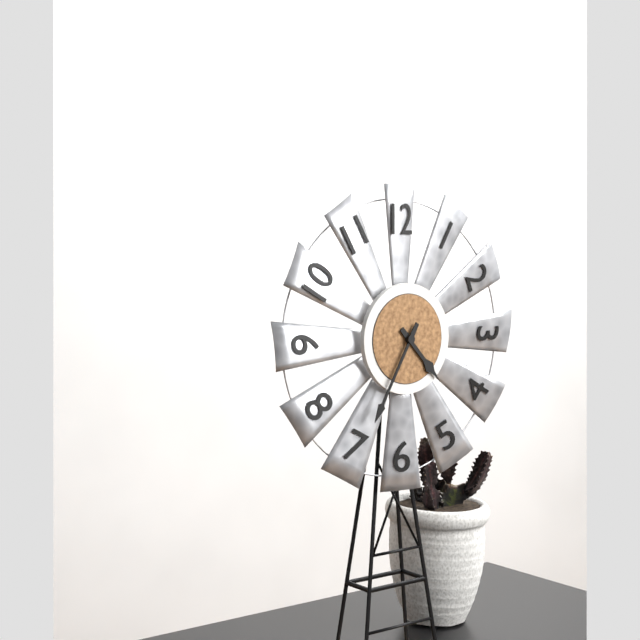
4:35
